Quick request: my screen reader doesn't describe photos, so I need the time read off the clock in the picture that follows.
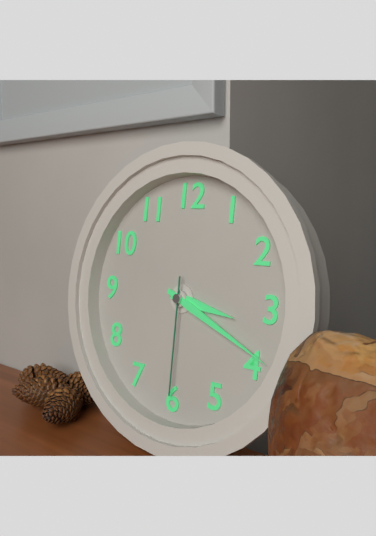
3:19:30
